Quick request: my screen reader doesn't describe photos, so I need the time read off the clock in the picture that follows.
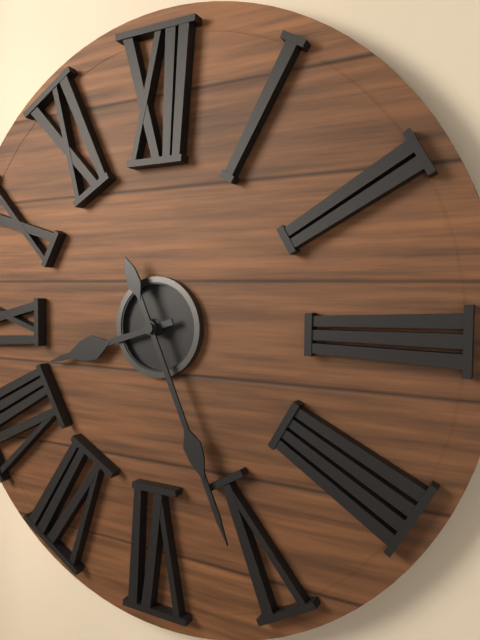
8:26
